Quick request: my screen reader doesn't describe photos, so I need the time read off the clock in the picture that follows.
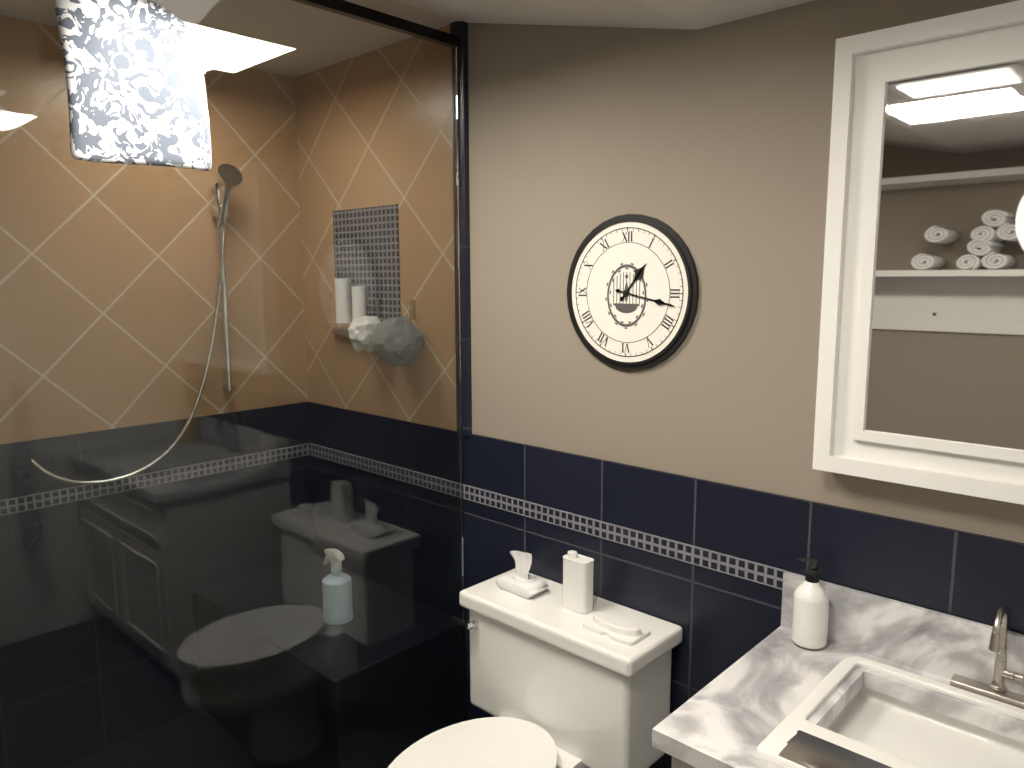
1:17
